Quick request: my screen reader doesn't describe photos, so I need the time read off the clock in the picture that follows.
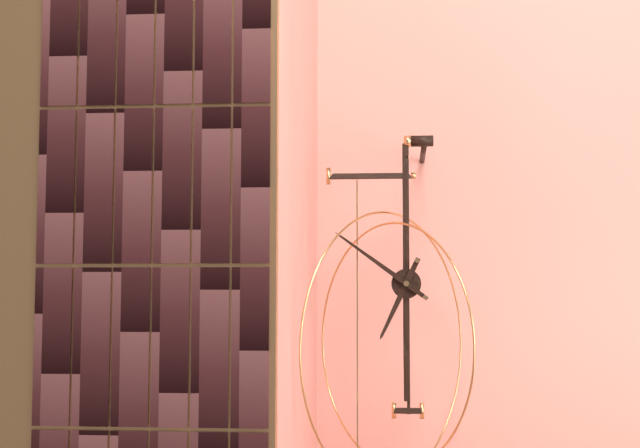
6:51
